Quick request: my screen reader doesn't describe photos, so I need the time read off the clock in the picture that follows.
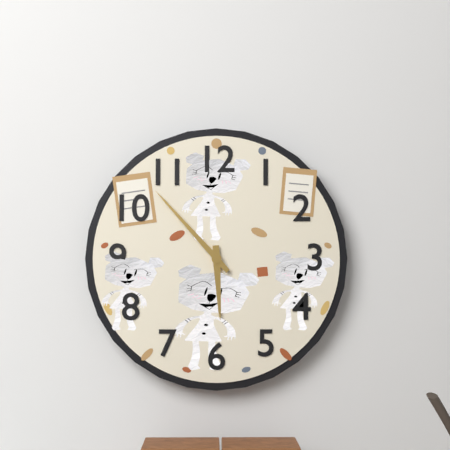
5:53
